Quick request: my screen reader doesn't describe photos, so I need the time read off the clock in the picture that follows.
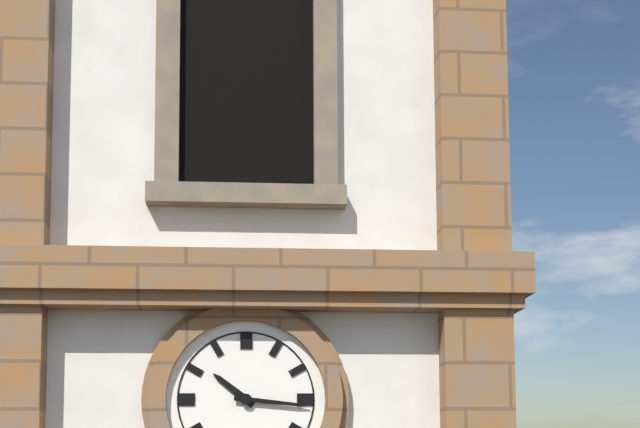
10:16
